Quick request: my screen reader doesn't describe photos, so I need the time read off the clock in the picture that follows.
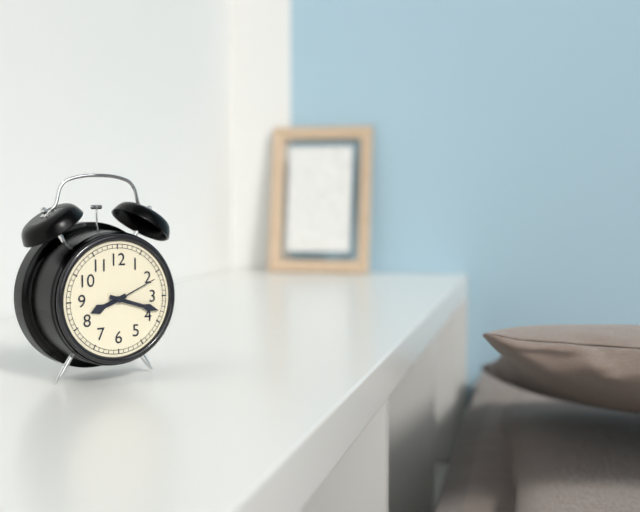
8:18:11
